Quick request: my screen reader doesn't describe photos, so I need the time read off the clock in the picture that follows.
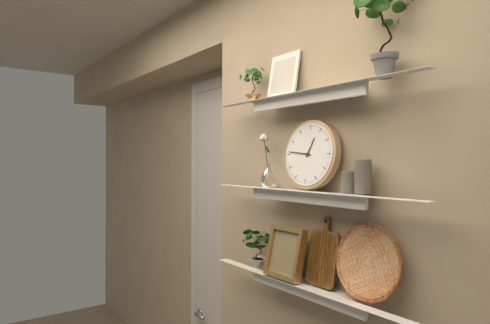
12:46
